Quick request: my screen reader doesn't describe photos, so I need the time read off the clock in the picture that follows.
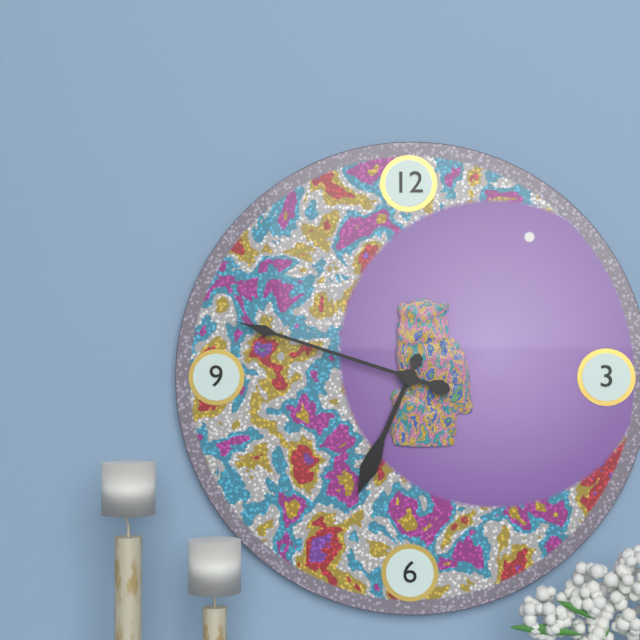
6:48
